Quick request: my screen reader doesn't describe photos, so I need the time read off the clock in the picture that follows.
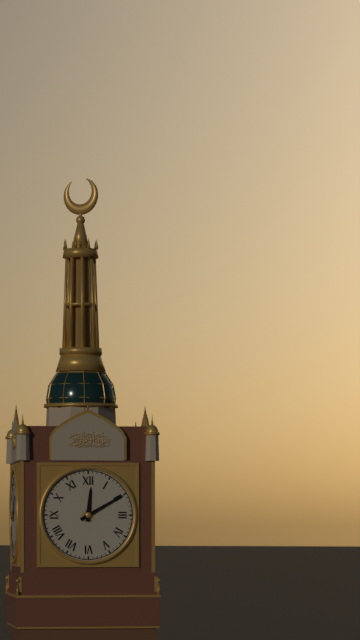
12:10
